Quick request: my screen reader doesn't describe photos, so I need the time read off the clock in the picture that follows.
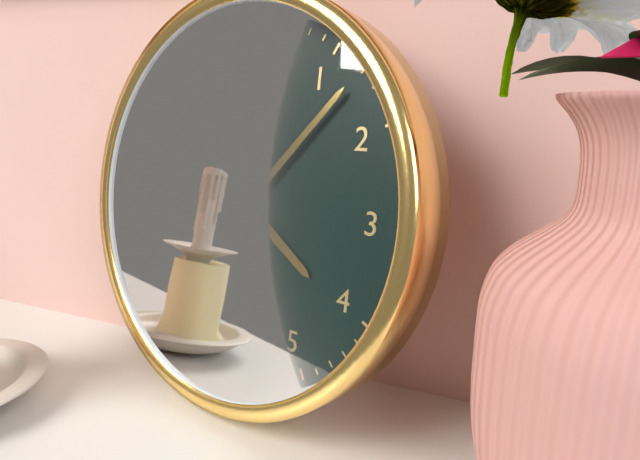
4:07:01
